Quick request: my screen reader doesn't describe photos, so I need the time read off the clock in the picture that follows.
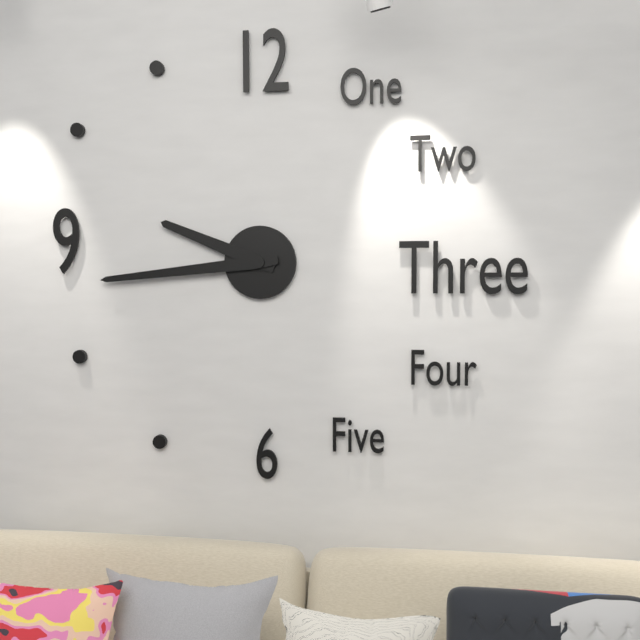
9:44
